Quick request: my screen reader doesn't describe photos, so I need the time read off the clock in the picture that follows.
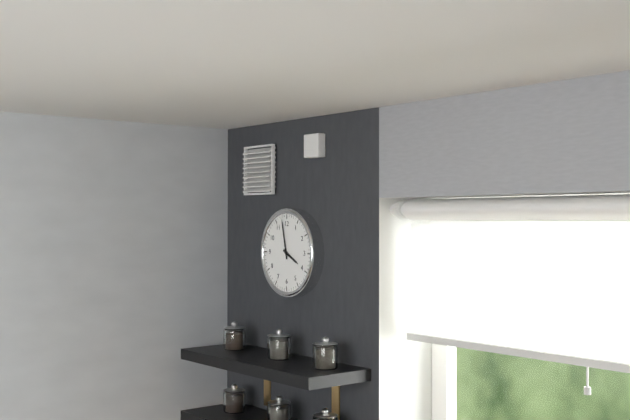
3:58
